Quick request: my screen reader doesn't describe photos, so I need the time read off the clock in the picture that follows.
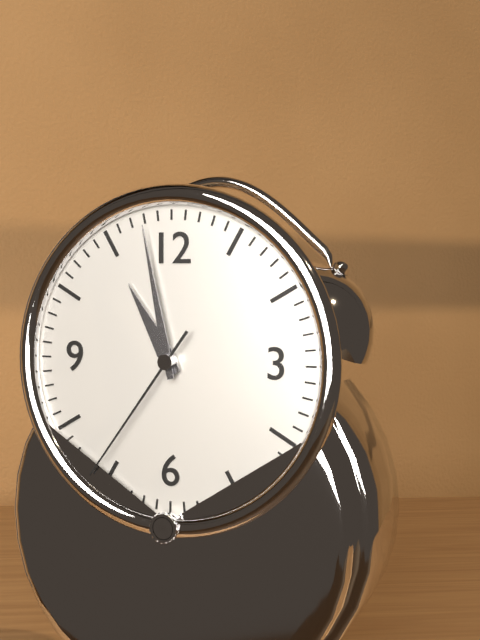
10:58:36
